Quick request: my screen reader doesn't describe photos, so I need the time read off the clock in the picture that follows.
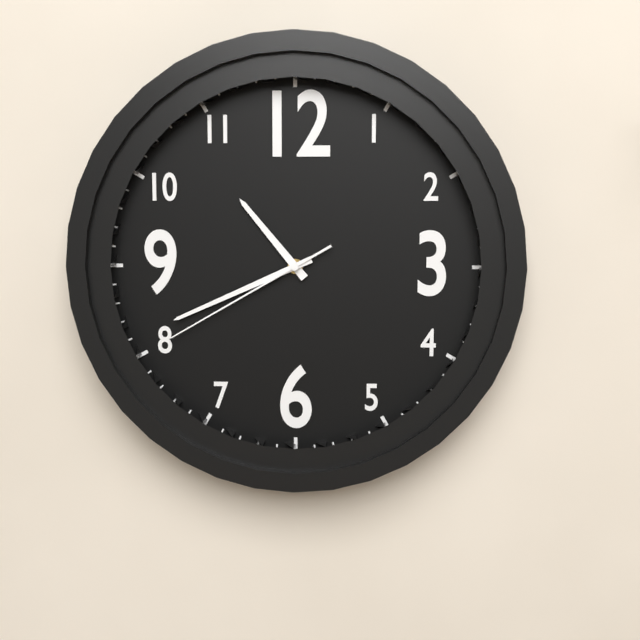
10:41:40
